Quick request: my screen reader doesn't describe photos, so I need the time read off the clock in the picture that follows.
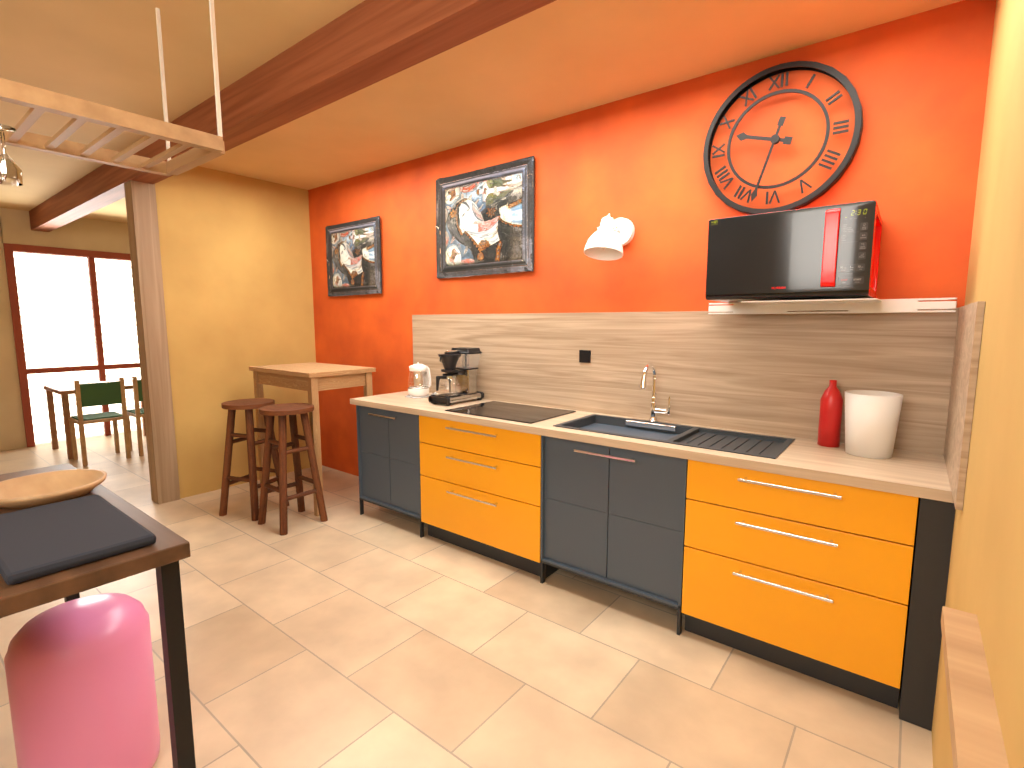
9:33
